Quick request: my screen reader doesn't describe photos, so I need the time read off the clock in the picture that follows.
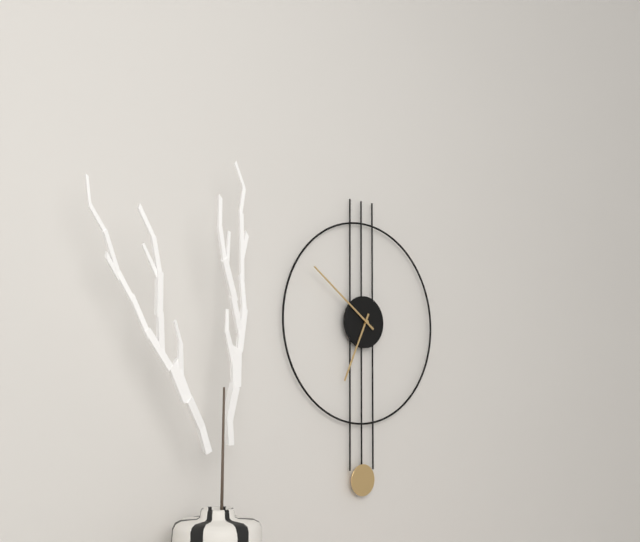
6:51
